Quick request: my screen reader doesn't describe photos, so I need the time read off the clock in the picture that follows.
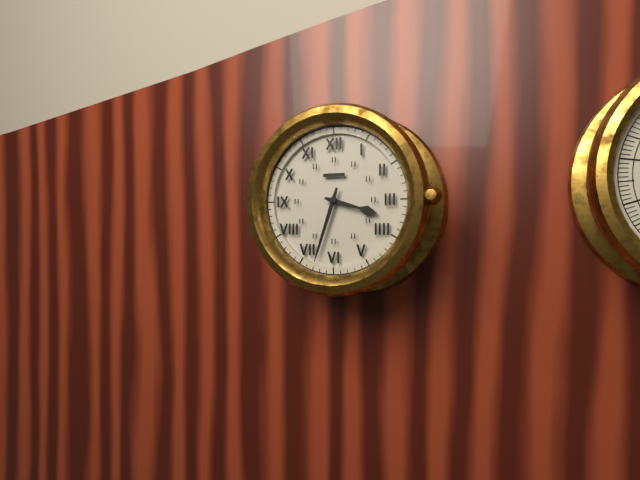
3:33
